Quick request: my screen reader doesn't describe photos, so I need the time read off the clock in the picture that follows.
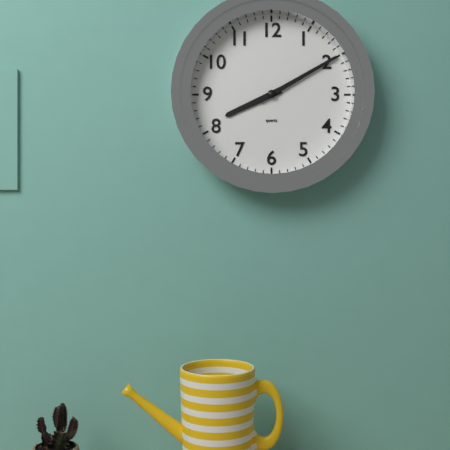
8:10
